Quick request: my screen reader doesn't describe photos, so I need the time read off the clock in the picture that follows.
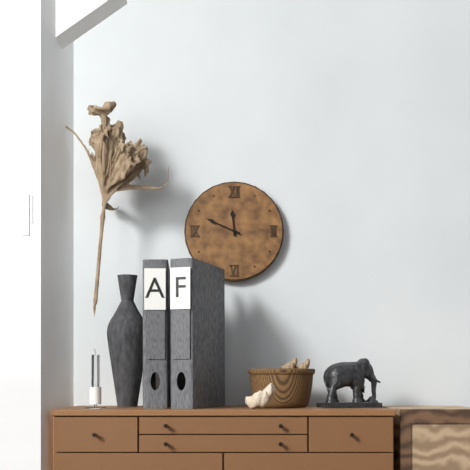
11:49
